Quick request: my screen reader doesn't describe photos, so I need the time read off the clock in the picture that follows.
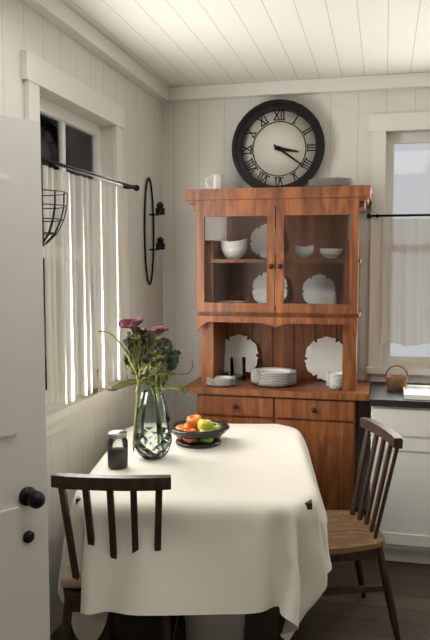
3:21
